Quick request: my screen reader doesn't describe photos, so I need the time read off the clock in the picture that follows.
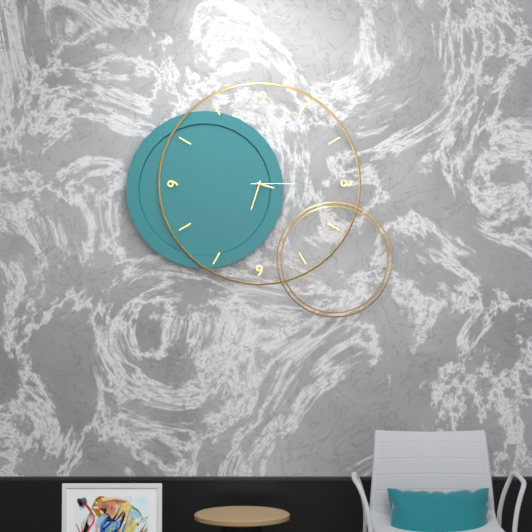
3:33
